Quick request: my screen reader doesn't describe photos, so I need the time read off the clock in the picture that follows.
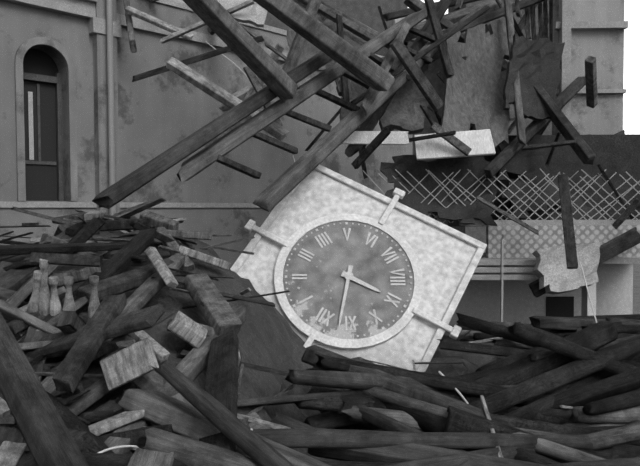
8:57
